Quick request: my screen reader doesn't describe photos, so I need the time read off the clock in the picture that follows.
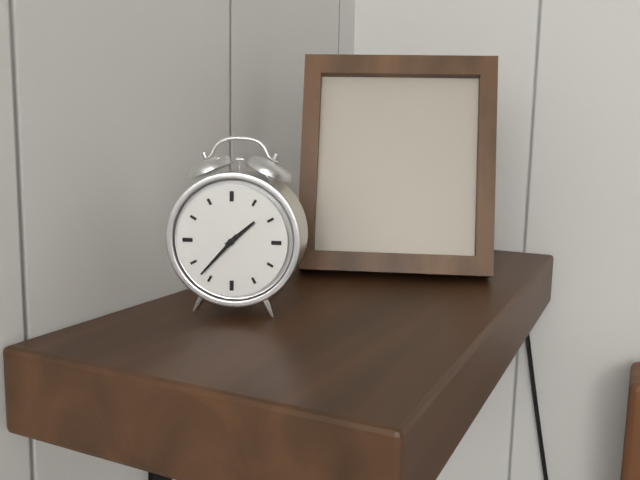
1:37
